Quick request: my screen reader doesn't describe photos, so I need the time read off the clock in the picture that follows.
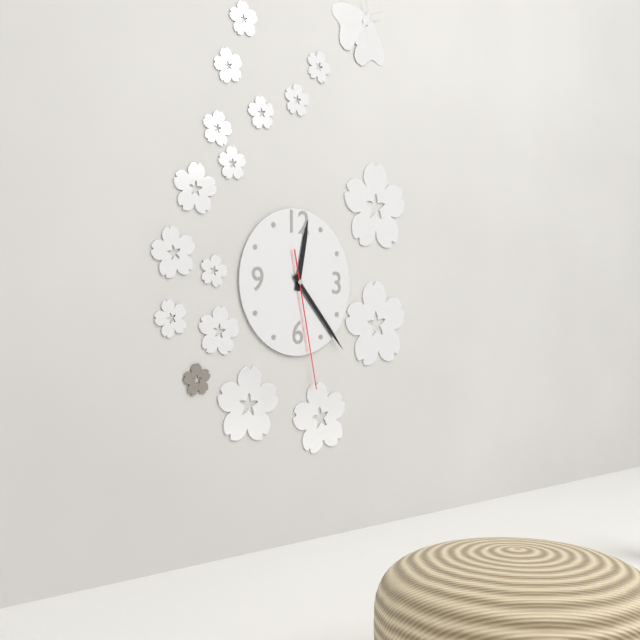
12:23:28
